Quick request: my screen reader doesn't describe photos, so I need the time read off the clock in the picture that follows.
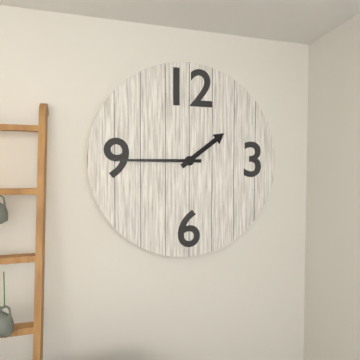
1:45
